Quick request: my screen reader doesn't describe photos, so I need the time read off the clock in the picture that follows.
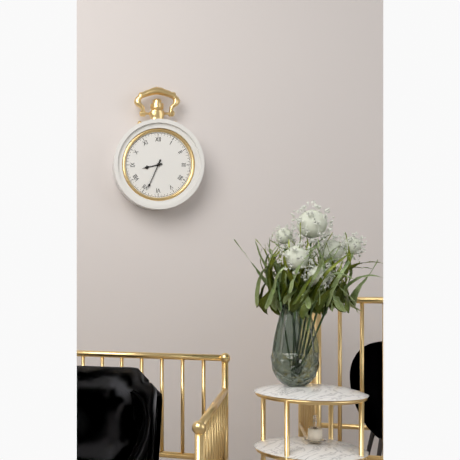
8:34
